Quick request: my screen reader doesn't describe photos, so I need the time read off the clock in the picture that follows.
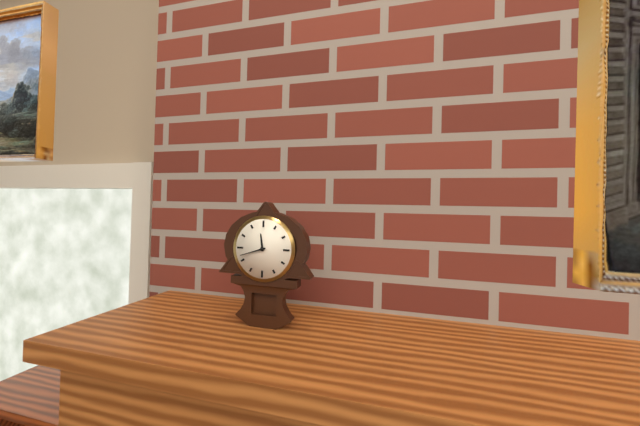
11:42
